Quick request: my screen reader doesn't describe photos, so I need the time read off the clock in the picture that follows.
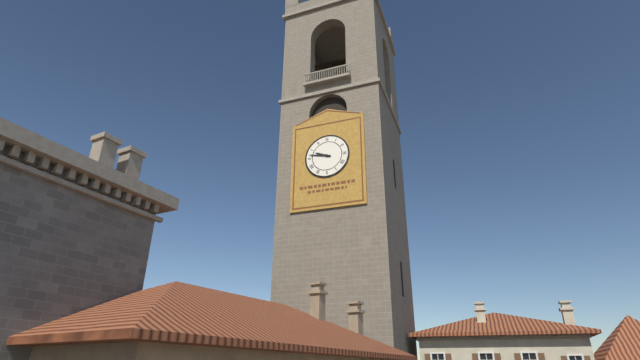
9:47
